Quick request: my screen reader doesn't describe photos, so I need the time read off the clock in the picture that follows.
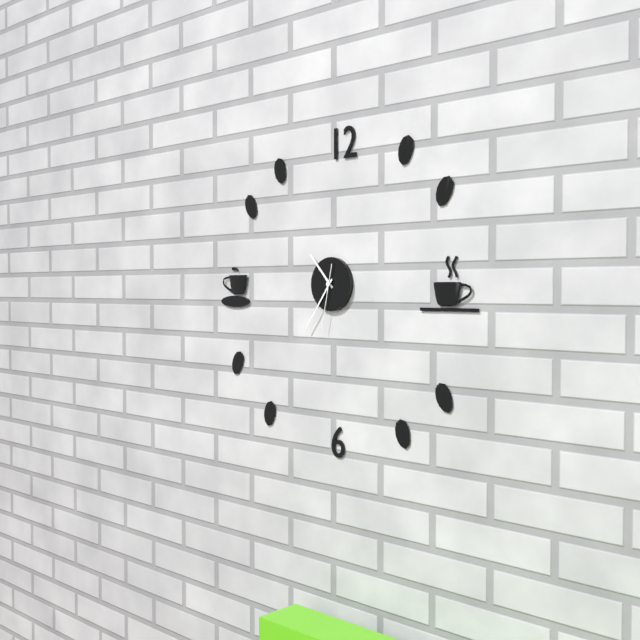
10:36:32
